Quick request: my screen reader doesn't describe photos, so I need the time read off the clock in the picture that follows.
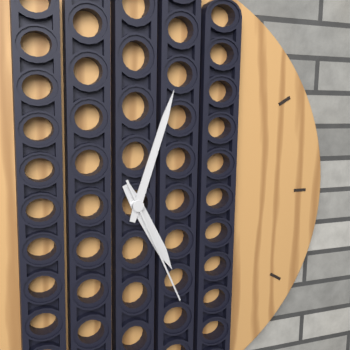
5:03:26
